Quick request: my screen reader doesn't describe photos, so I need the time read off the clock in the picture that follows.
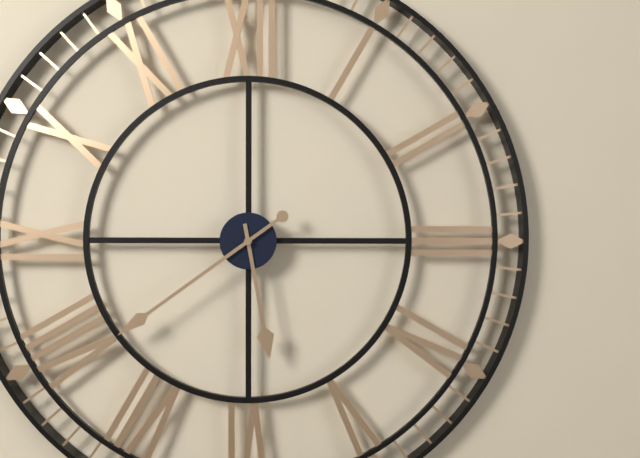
5:39
